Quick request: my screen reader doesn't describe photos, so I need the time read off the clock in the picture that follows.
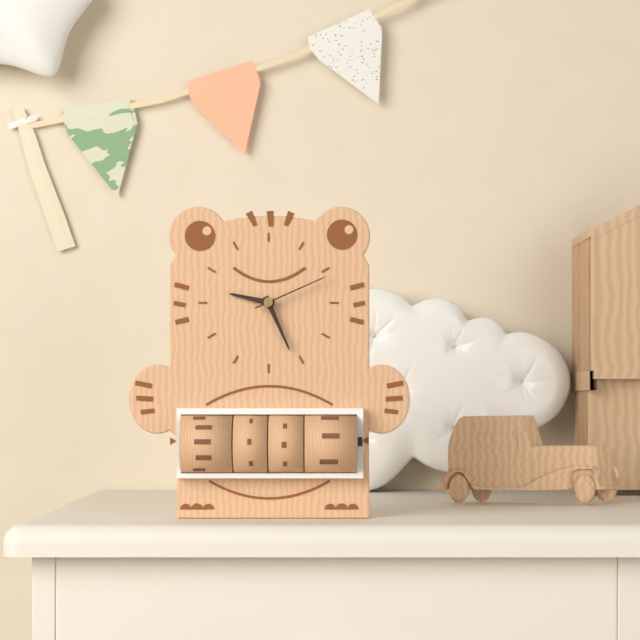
9:26:11
